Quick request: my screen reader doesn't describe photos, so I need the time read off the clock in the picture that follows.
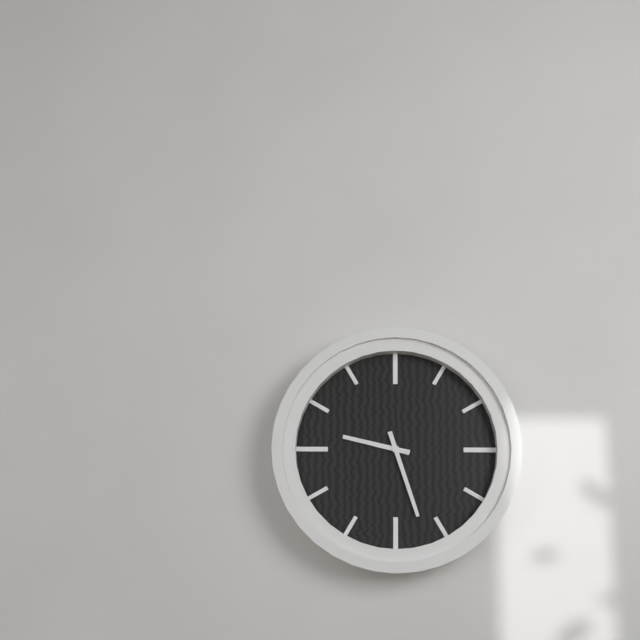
9:27
